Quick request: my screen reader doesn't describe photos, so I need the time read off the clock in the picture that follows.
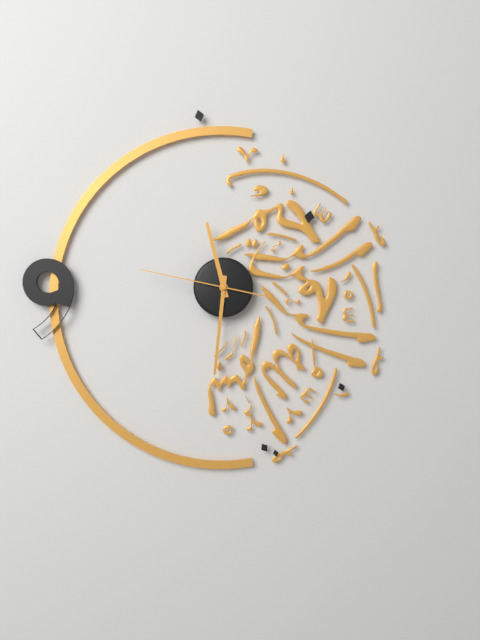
11:31:47
